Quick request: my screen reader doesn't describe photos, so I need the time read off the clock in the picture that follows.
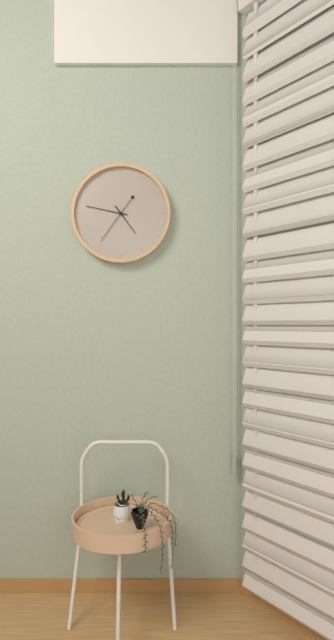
4:47
